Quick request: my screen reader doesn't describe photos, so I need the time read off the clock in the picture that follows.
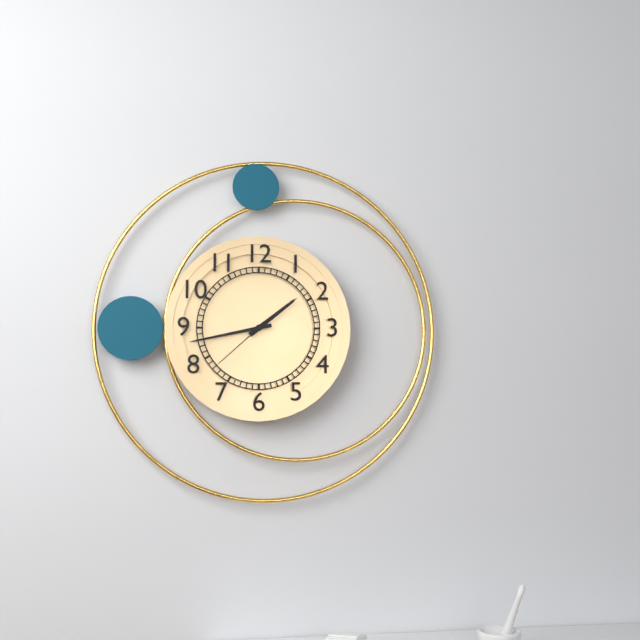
1:43:38
